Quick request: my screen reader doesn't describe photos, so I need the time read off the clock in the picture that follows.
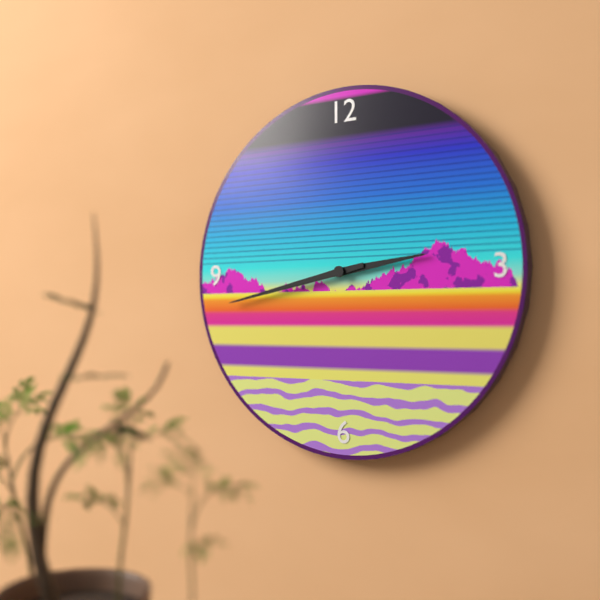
2:43
